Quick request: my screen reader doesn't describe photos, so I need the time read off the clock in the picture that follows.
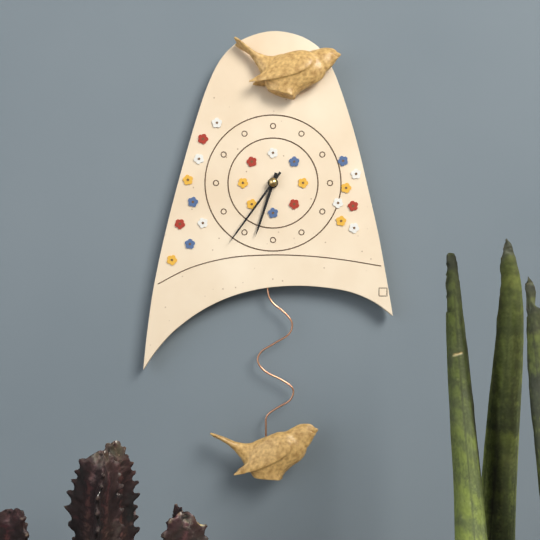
6:36
